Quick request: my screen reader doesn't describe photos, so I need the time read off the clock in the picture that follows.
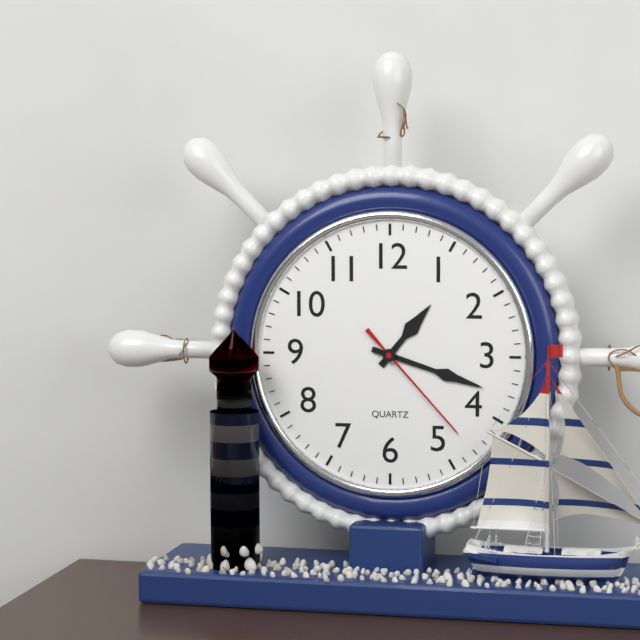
1:18:23
